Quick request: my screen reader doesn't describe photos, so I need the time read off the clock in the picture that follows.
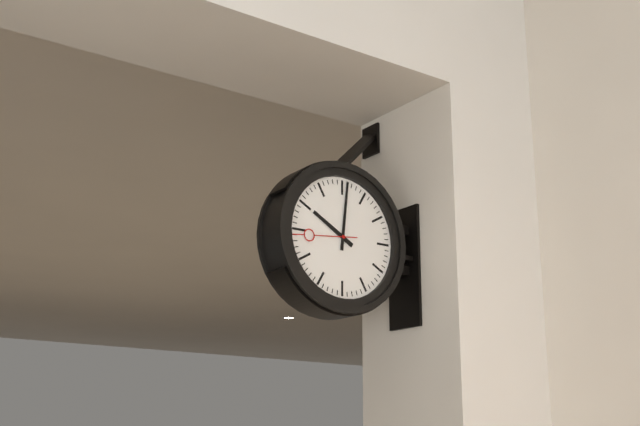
10:01:44
